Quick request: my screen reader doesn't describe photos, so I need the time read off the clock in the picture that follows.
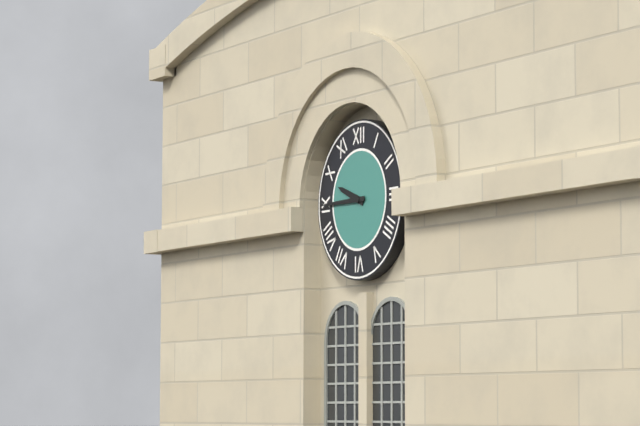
9:45
